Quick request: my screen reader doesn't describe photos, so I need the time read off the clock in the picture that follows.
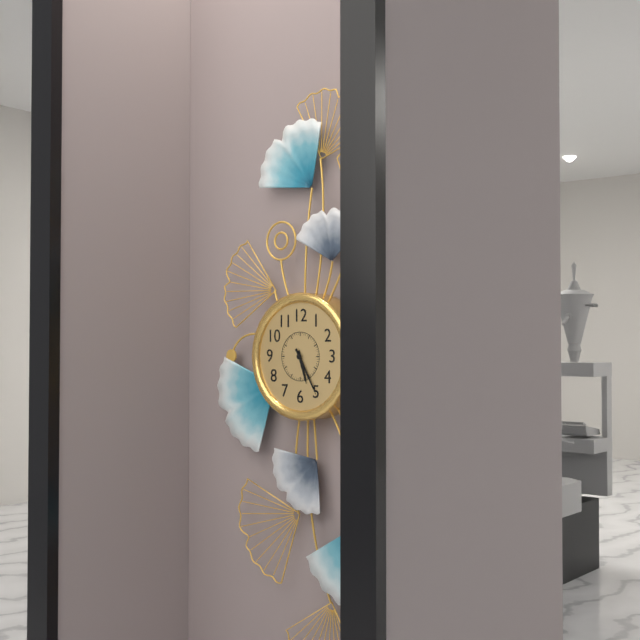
5:25
